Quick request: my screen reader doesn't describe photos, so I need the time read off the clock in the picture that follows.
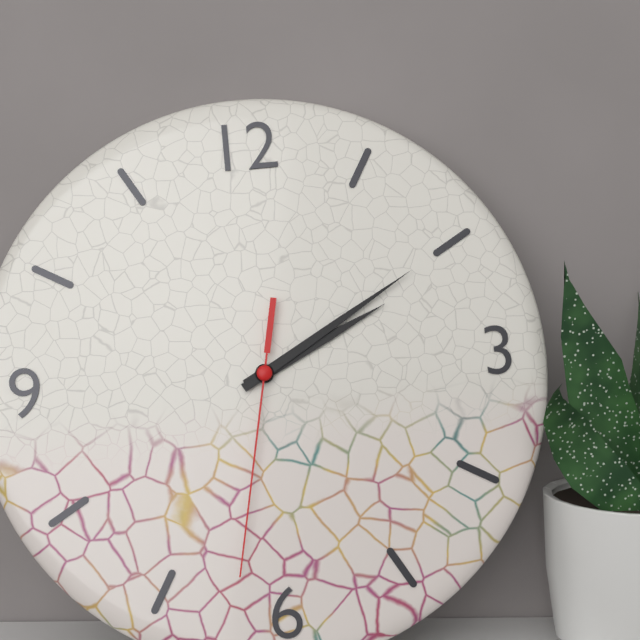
2:10:32
